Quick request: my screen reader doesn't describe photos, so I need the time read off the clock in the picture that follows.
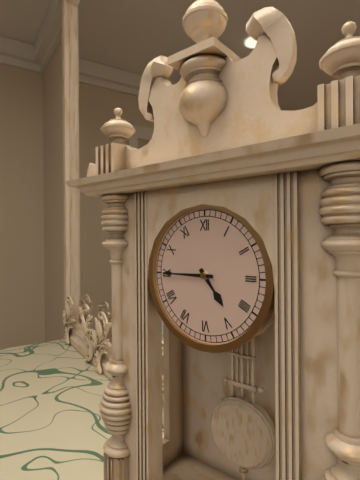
4:45
